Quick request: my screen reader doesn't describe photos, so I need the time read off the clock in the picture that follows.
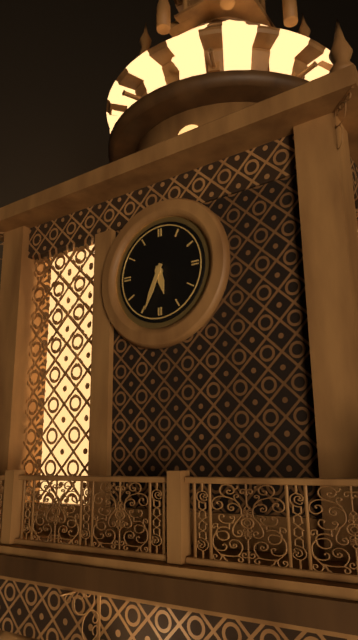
5:34
